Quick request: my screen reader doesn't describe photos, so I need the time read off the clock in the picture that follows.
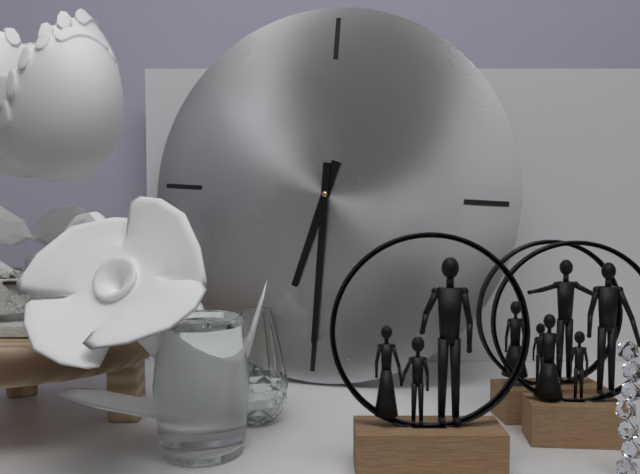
6:30
